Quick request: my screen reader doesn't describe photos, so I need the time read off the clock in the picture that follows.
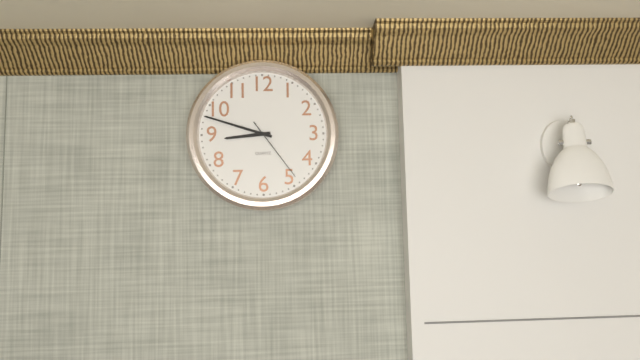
8:48:24
